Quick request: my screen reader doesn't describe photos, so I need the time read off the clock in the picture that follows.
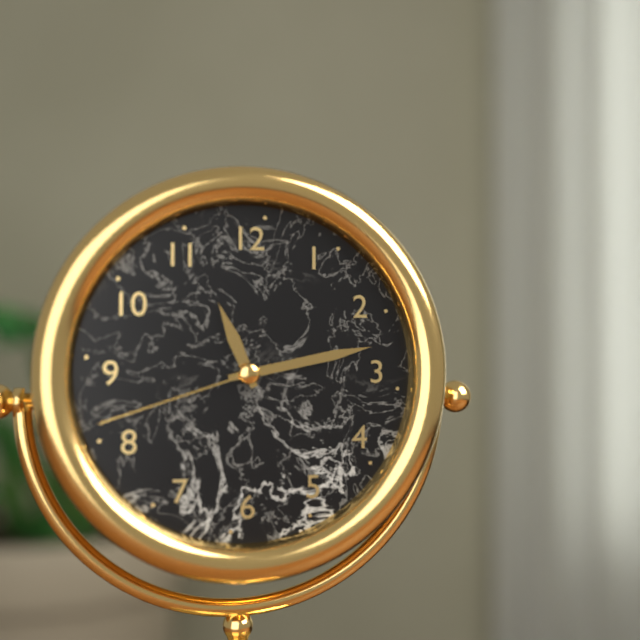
11:13:42
